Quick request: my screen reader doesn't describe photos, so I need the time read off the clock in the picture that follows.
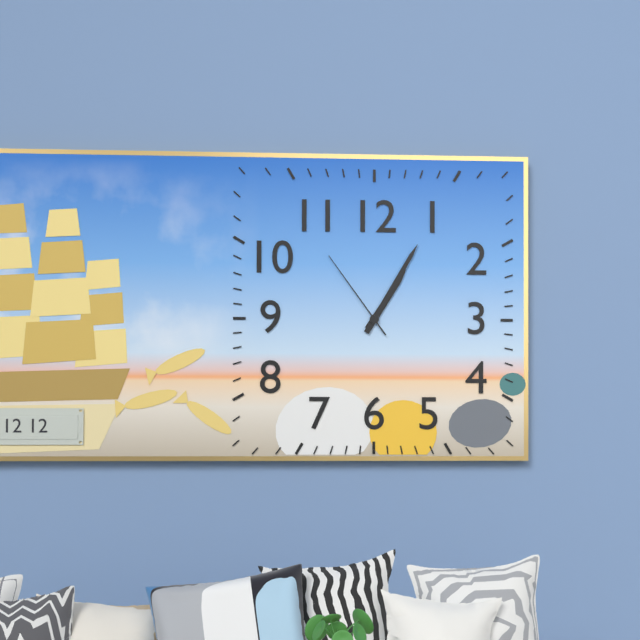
1:05:54
